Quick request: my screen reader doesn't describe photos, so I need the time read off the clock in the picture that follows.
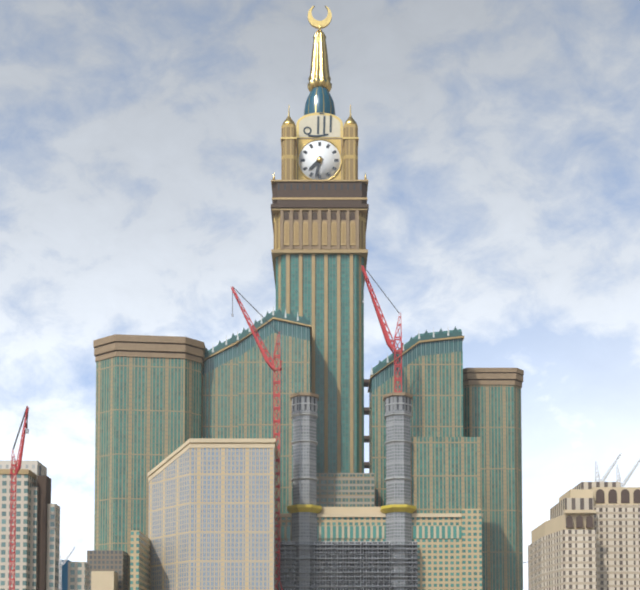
7:32
